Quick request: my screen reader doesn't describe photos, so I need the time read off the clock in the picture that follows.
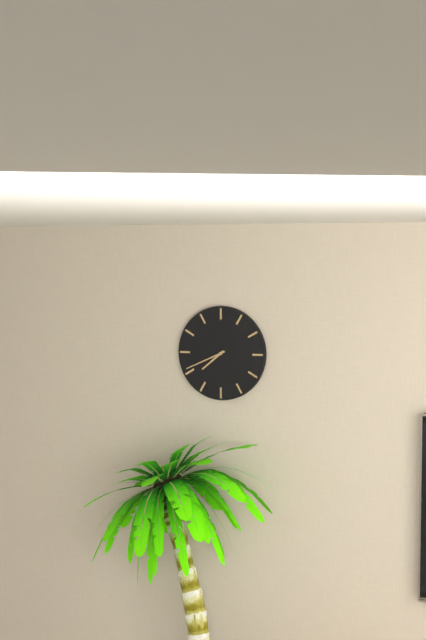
7:41
